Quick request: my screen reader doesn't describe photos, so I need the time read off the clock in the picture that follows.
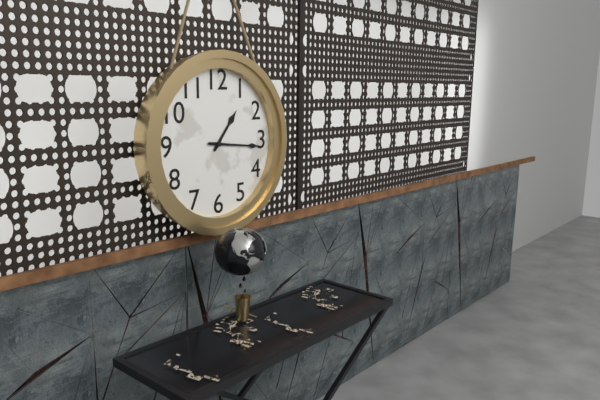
1:16
